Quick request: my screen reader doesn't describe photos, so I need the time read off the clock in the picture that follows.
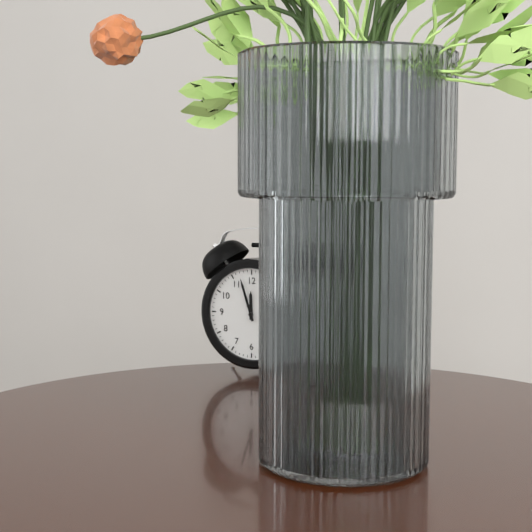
11:57
